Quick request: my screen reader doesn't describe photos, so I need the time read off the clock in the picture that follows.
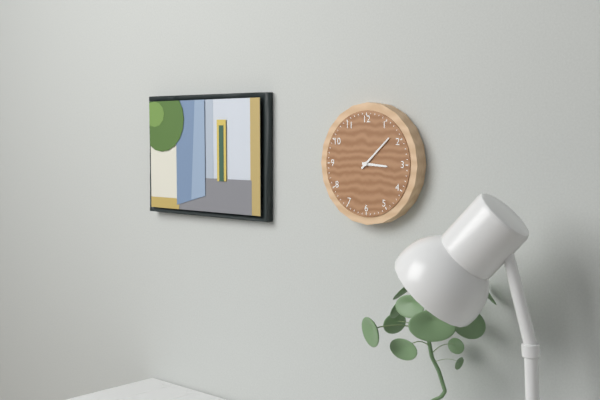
3:08
